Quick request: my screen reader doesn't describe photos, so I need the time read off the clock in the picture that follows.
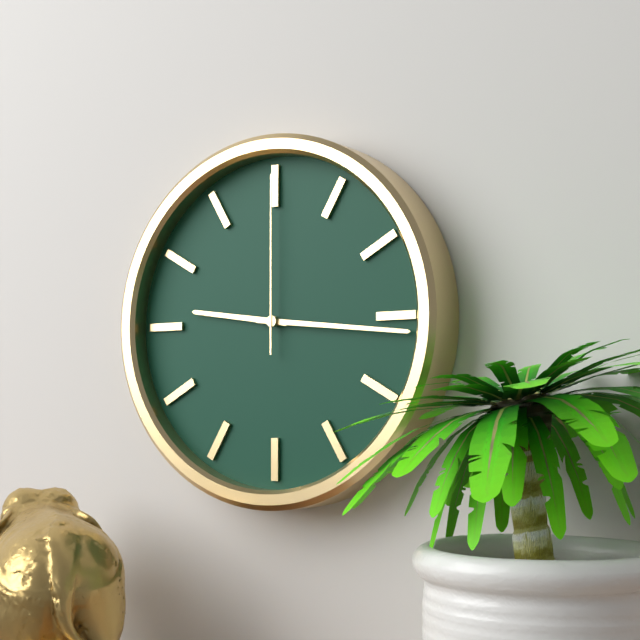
9:16:00
